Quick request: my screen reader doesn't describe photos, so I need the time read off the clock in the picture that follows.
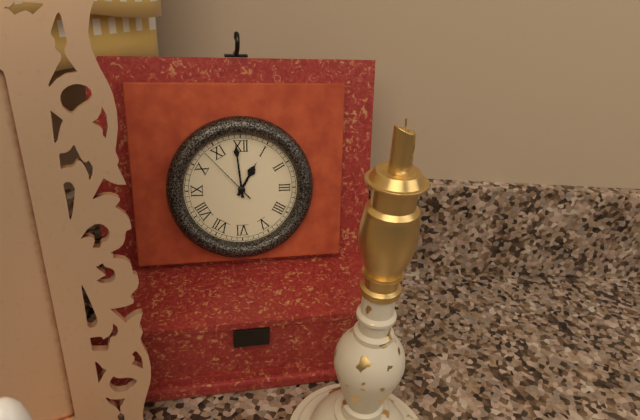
12:59:53
